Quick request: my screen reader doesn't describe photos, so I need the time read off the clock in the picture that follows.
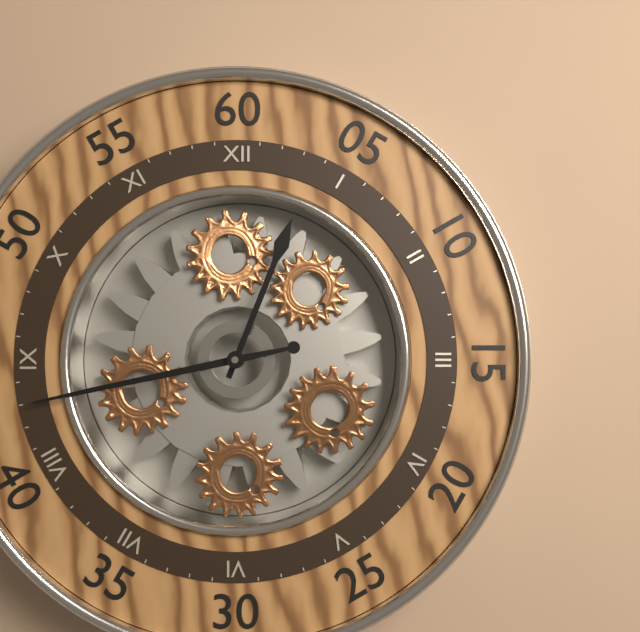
12:43
